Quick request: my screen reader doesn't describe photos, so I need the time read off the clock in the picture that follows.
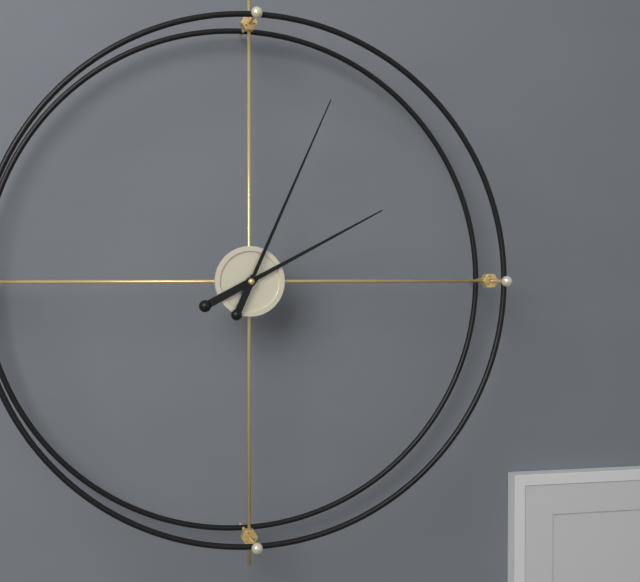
2:04
